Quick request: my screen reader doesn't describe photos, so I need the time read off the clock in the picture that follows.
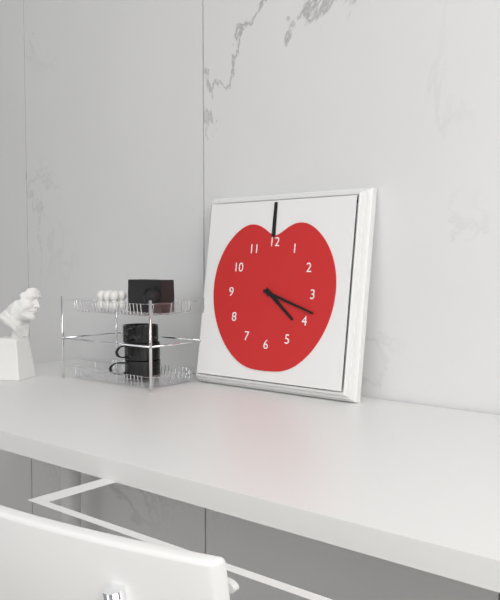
4:18
